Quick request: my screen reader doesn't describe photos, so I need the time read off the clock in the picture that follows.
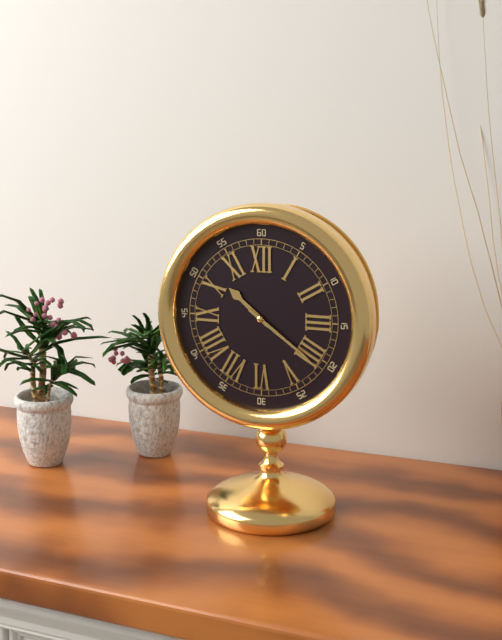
10:21
